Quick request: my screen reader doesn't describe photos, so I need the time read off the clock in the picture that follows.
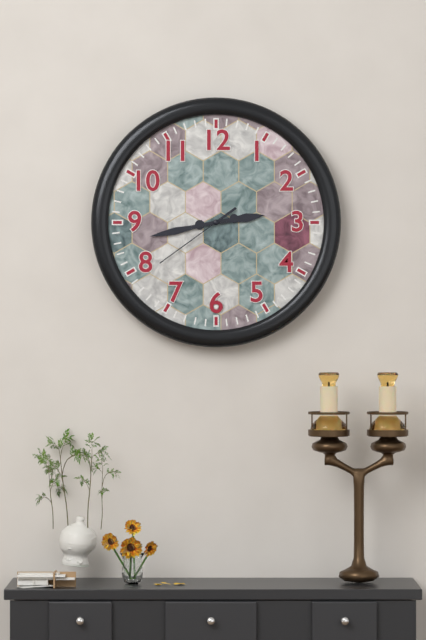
2:43:39
